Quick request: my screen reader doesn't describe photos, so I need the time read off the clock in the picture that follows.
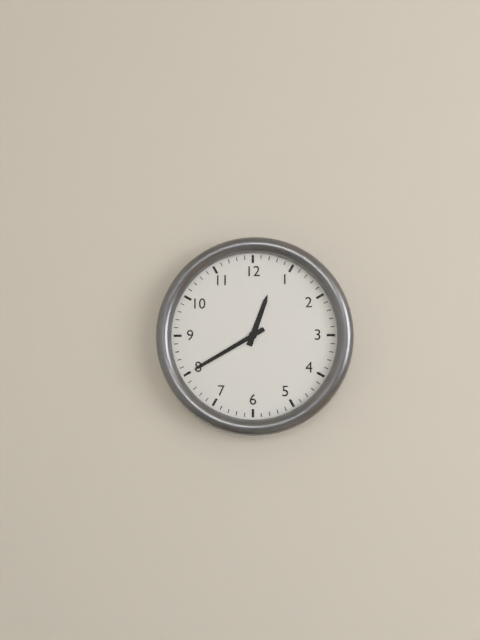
12:40
